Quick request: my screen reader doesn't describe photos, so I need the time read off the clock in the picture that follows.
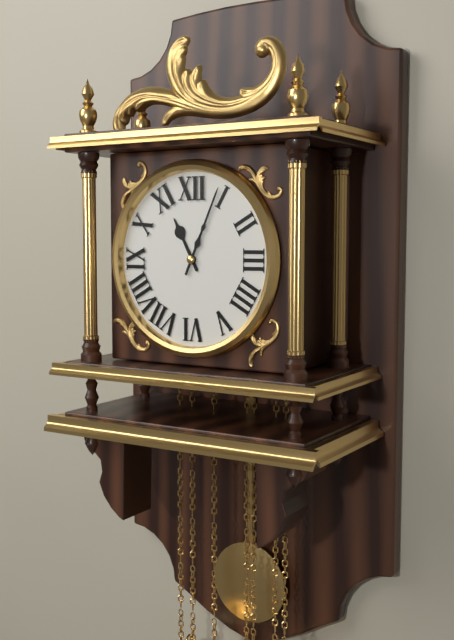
11:04
